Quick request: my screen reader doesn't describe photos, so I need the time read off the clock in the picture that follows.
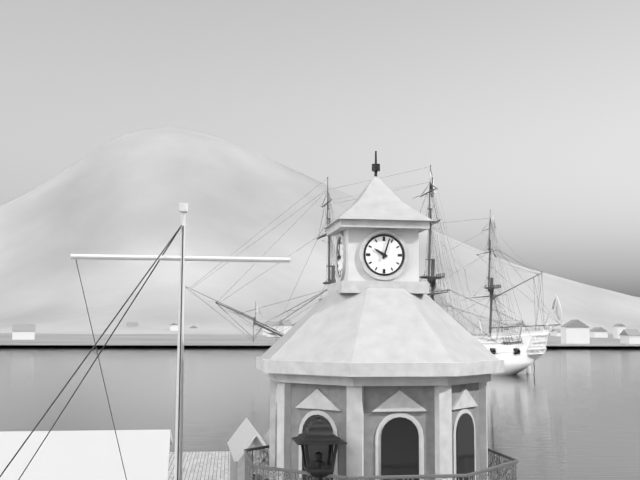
10:03
